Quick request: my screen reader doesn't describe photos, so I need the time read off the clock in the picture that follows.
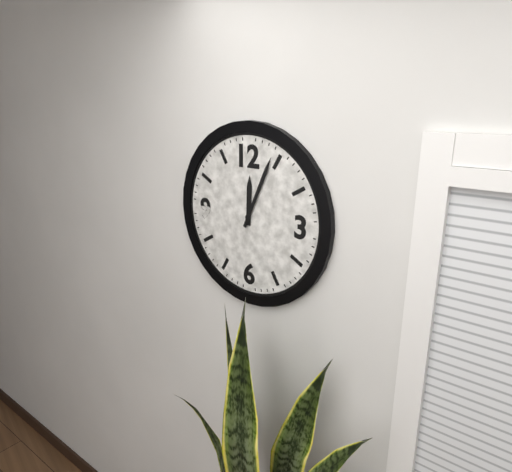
12:04
